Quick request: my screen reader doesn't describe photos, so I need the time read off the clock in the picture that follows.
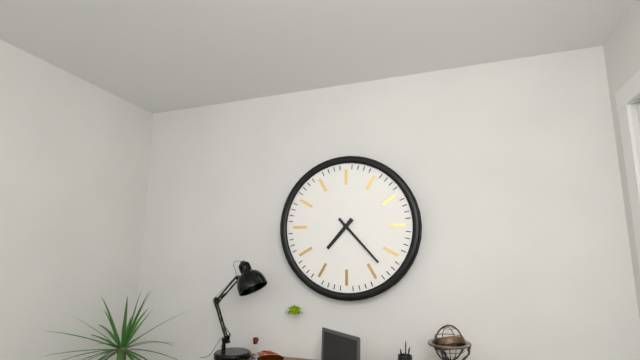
7:23
